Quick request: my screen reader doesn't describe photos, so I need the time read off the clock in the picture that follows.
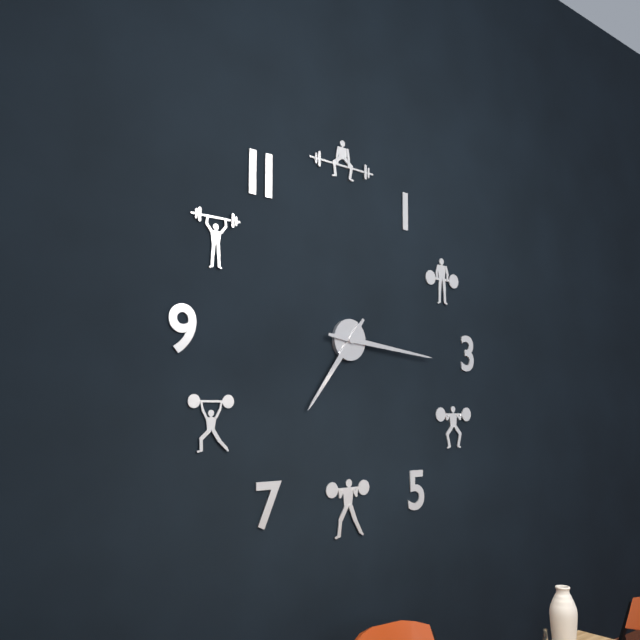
7:16
